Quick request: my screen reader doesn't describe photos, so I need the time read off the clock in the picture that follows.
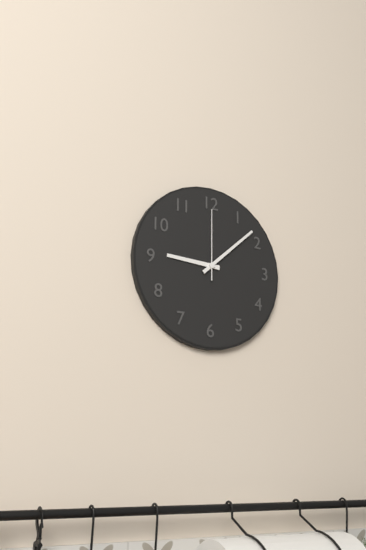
9:08:00
